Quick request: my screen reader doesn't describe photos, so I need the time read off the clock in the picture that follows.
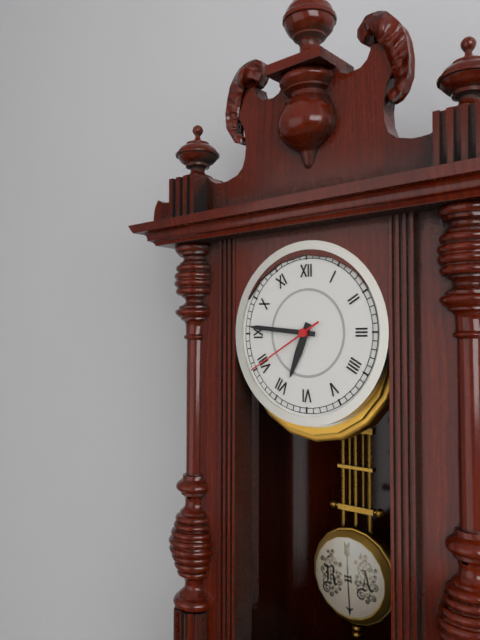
6:46:40
